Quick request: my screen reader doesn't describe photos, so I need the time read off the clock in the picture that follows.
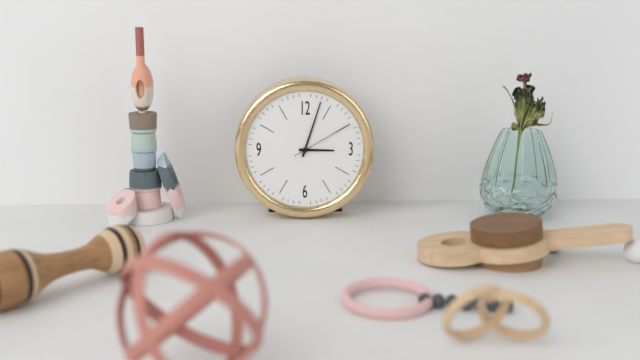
3:03:10
